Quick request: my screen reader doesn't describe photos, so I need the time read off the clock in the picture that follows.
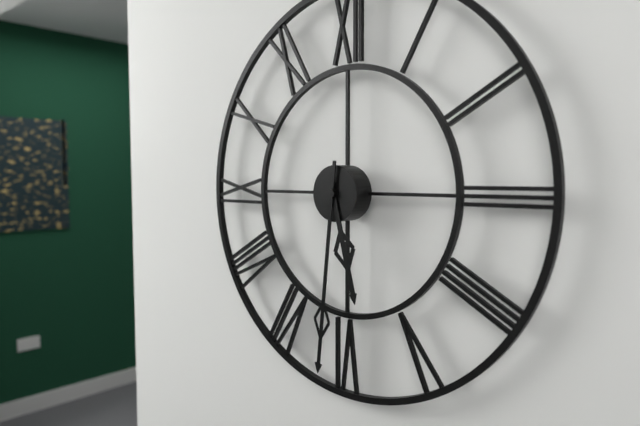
5:31
